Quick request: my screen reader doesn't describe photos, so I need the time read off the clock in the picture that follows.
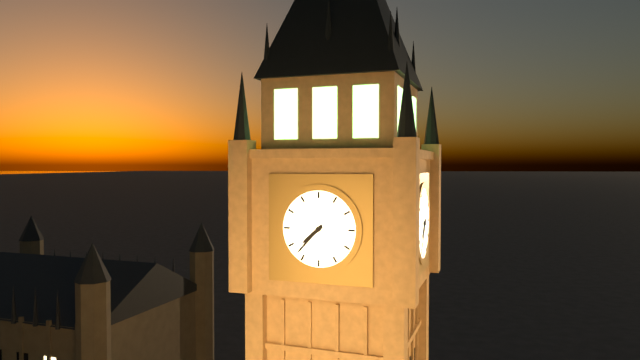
7:37
